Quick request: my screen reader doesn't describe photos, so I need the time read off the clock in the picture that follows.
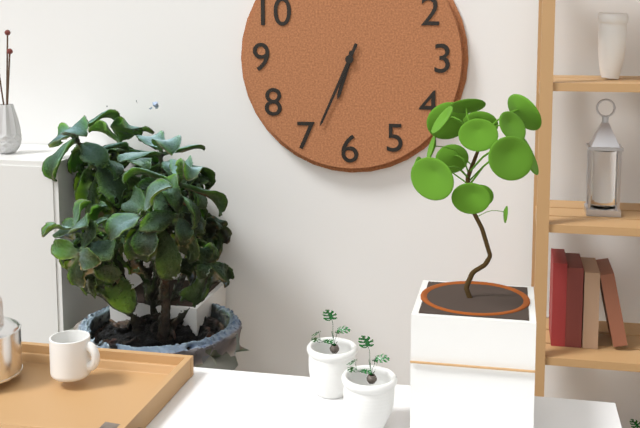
6:34
